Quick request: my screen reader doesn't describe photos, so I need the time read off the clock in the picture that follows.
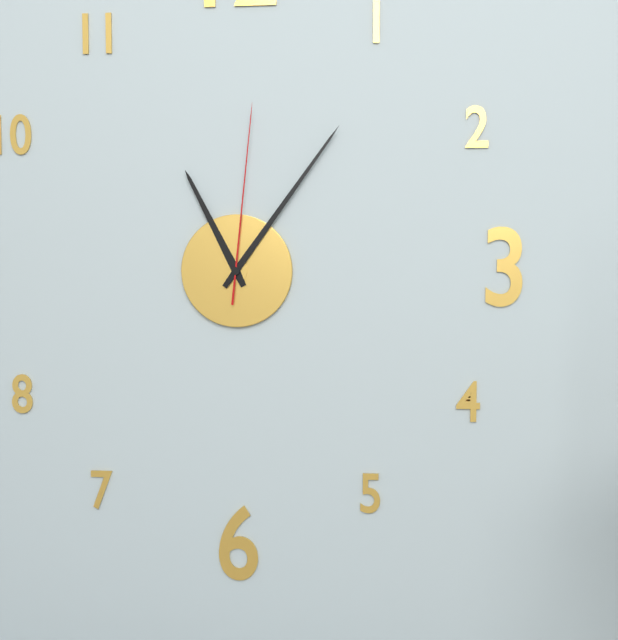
11:06:01
